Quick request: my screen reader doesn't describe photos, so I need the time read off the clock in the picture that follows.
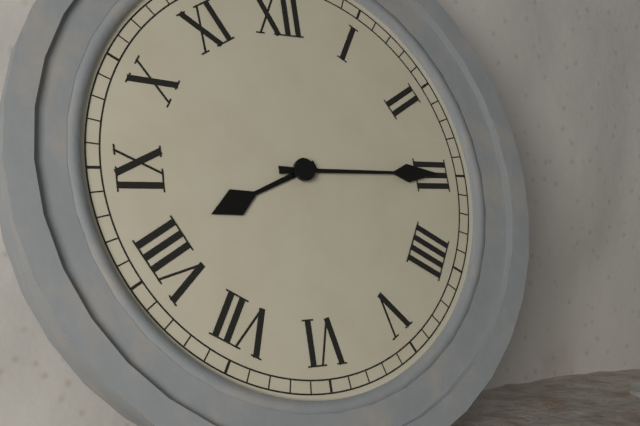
8:15
